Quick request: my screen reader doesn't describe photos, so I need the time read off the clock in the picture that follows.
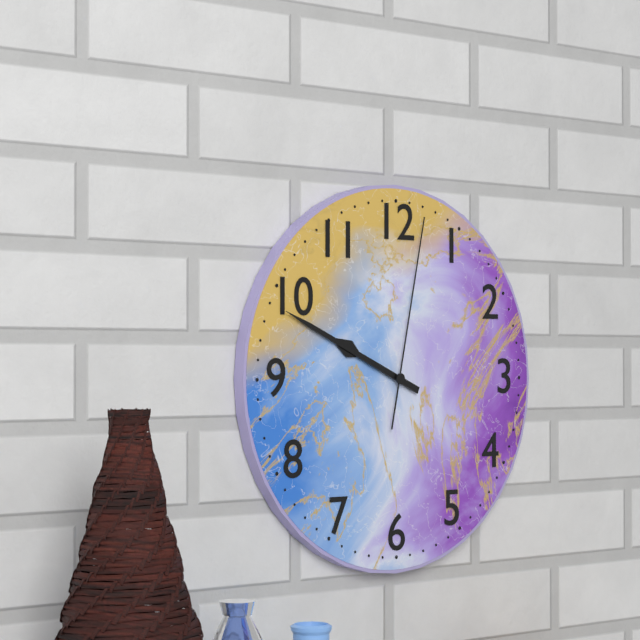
9:49:02
